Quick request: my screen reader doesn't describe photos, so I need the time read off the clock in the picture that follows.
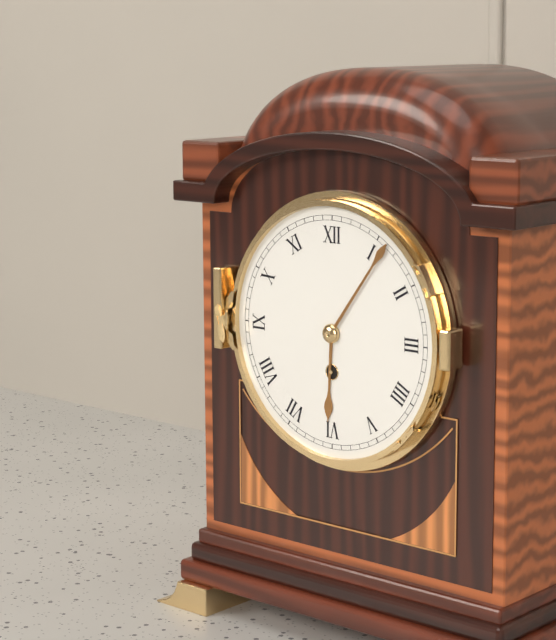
6:06
